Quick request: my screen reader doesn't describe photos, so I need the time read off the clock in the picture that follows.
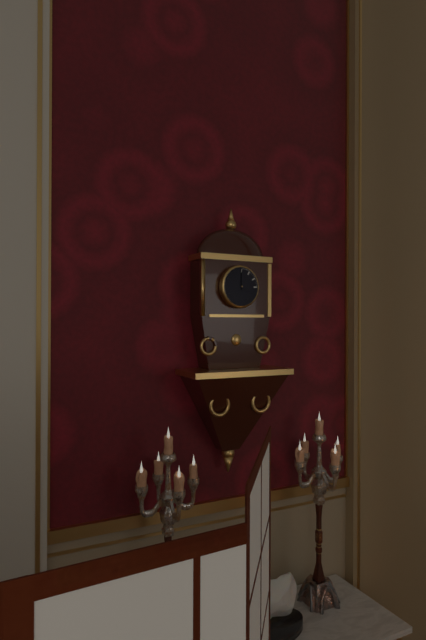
4:00
